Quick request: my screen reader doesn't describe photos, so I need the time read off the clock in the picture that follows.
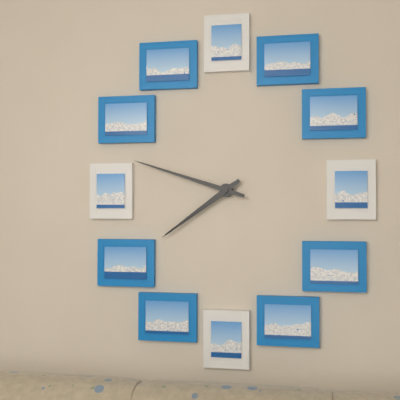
7:48
